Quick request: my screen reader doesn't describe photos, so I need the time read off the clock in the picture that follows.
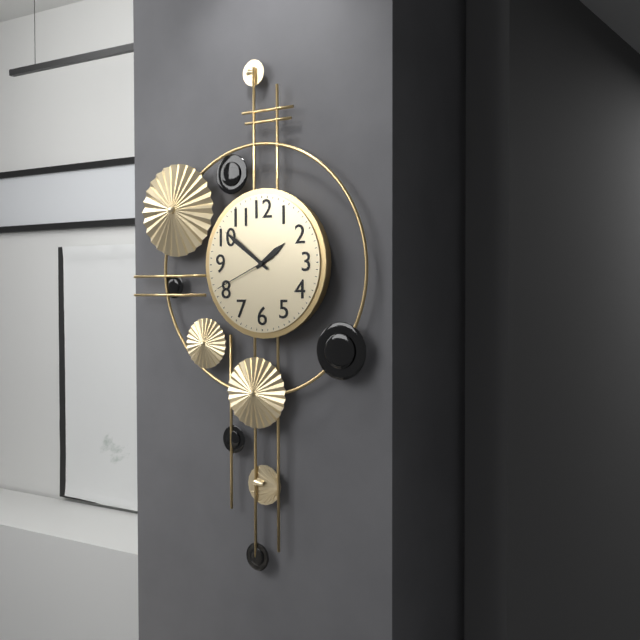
1:51:41
